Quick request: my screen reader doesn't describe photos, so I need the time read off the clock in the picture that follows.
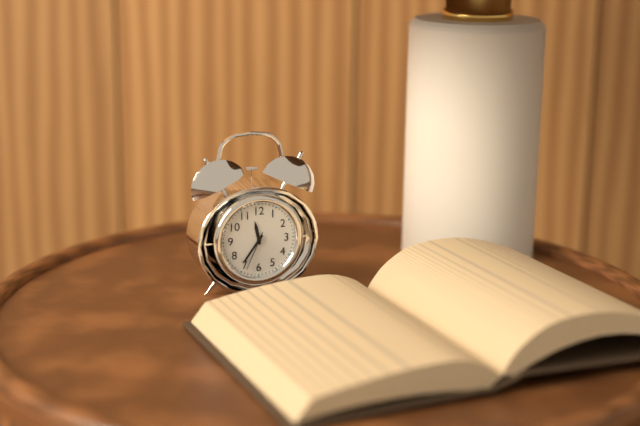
11:36
